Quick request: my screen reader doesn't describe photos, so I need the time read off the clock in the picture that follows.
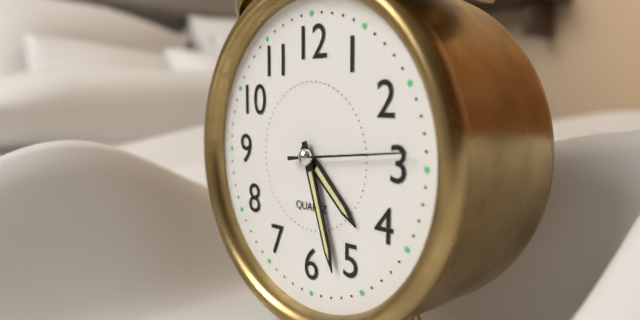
4:27:14
